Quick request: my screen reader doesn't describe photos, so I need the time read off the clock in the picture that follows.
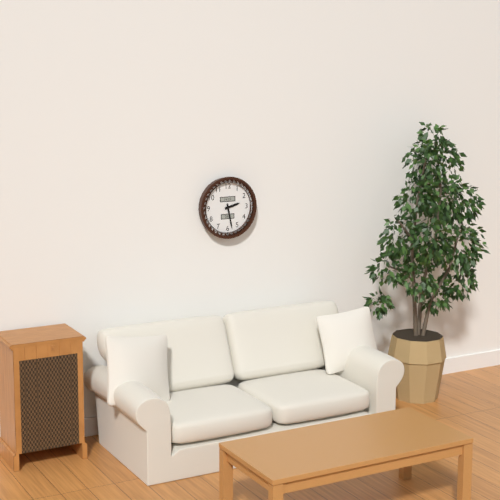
2:28
